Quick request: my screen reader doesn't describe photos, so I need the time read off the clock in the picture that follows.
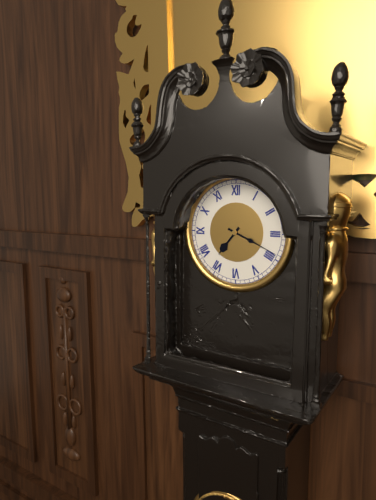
7:19
